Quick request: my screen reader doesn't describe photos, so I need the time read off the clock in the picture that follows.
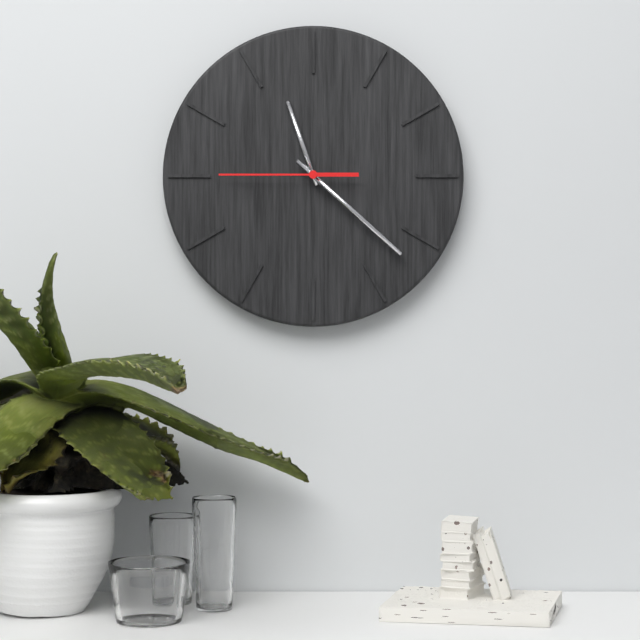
11:22:45
